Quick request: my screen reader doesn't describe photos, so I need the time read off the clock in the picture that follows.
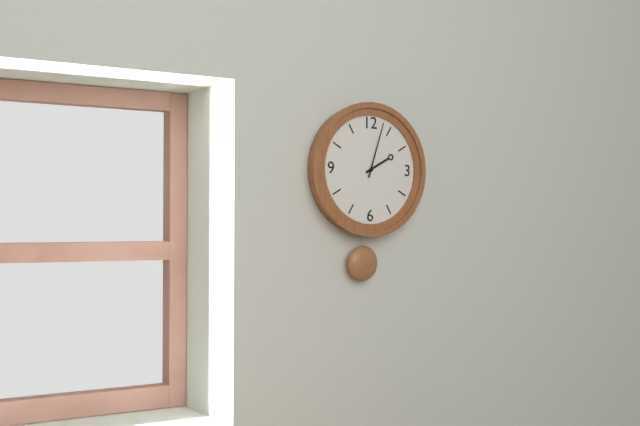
2:03
